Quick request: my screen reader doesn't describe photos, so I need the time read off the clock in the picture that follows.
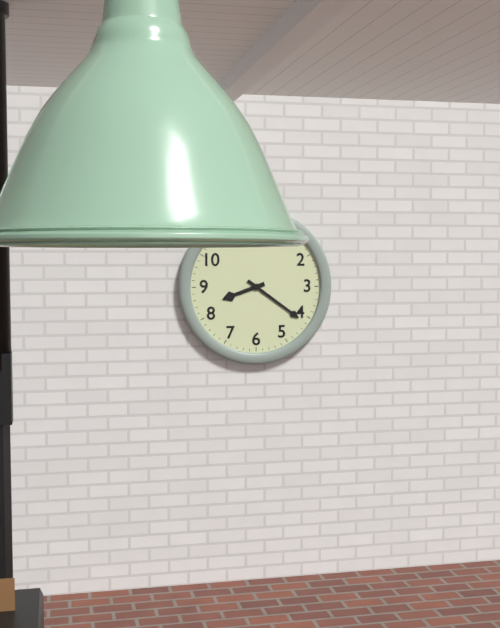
8:21
